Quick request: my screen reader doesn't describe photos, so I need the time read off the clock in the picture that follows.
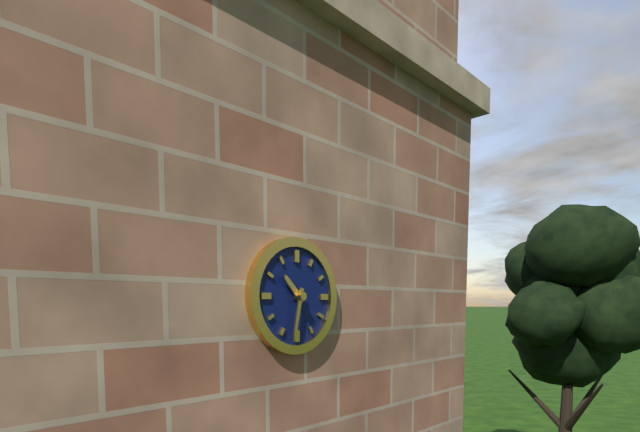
10:32
